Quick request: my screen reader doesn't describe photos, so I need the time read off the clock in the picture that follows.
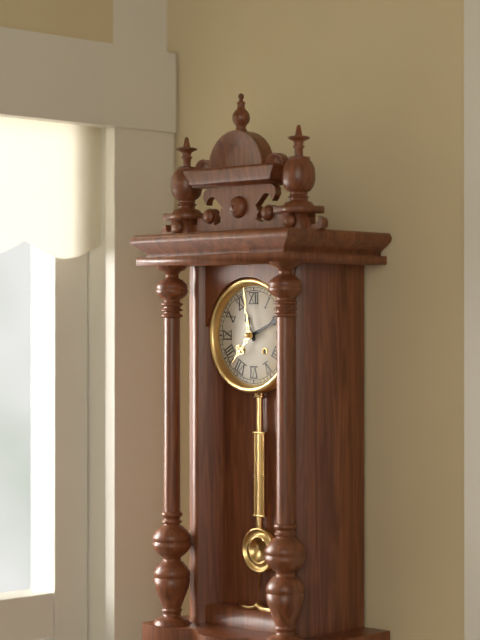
11:11
